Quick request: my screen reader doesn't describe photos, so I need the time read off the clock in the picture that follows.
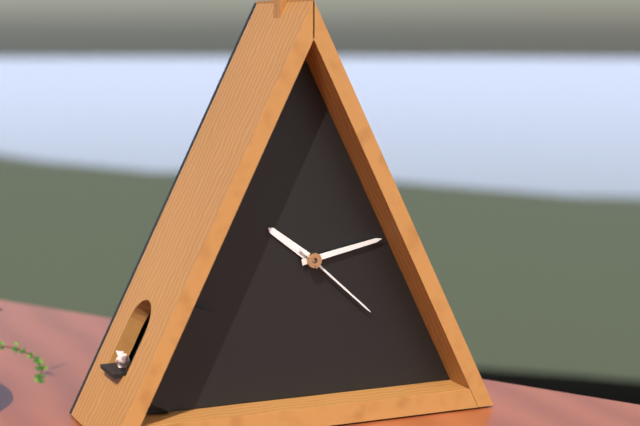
10:13:22
